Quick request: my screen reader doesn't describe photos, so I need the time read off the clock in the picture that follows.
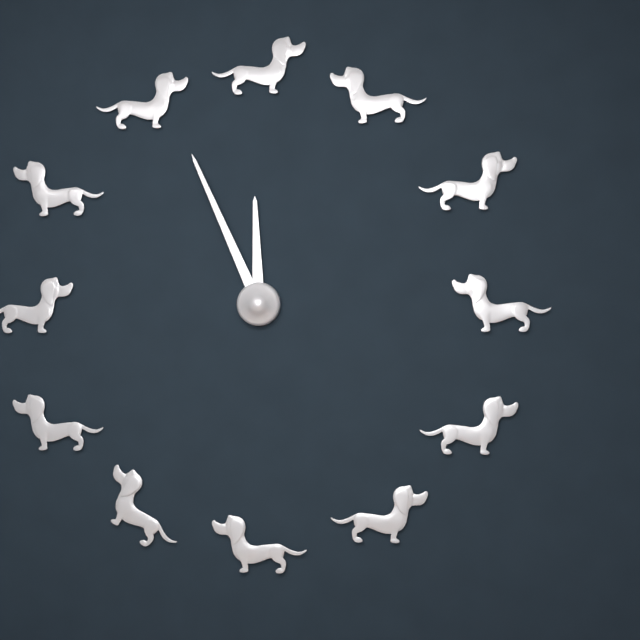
11:56
